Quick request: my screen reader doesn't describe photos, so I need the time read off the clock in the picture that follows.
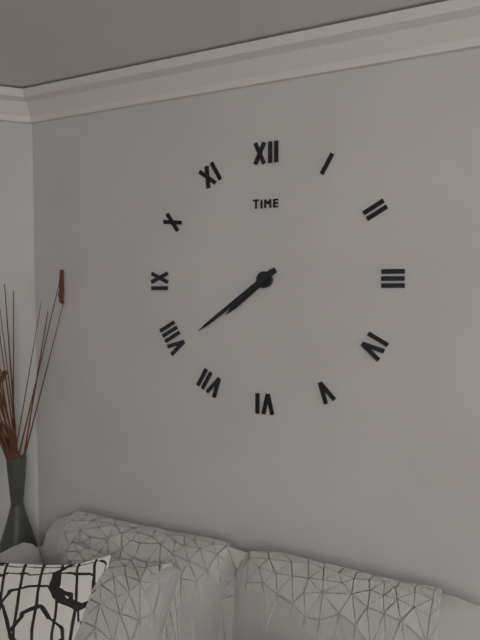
7:39
